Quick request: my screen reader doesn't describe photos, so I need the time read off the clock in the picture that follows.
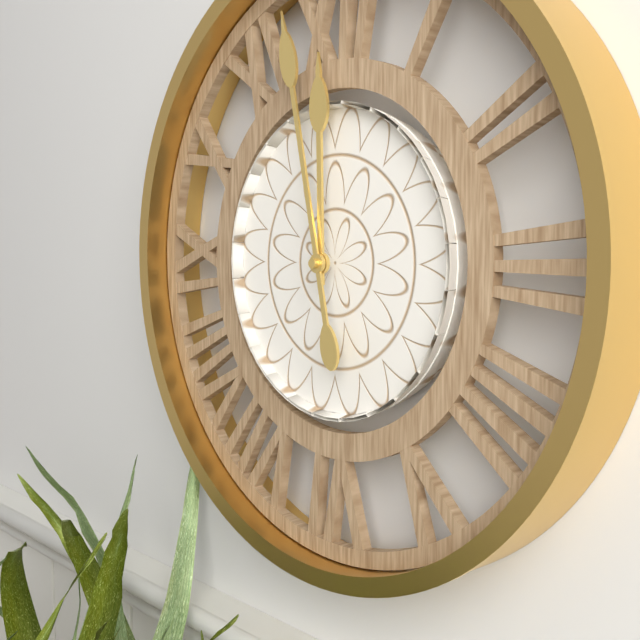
11:58
